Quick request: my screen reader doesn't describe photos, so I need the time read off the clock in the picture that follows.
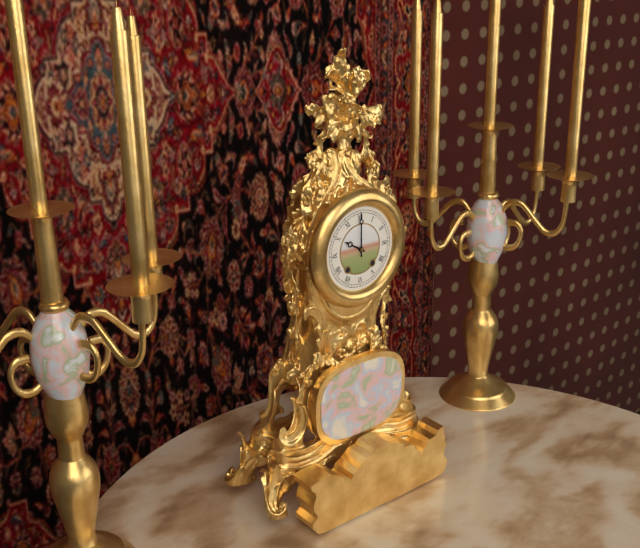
10:00
